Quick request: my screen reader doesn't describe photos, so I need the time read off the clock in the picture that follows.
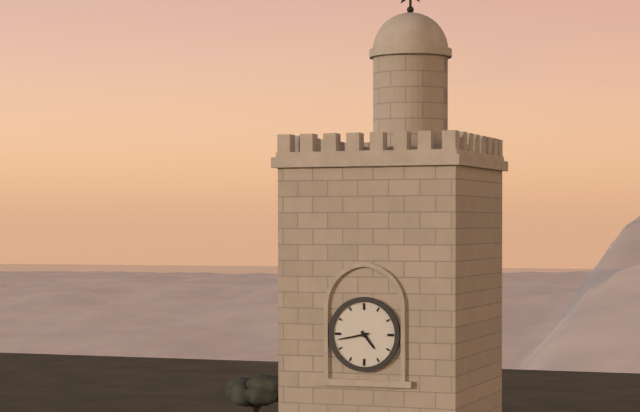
4:43
